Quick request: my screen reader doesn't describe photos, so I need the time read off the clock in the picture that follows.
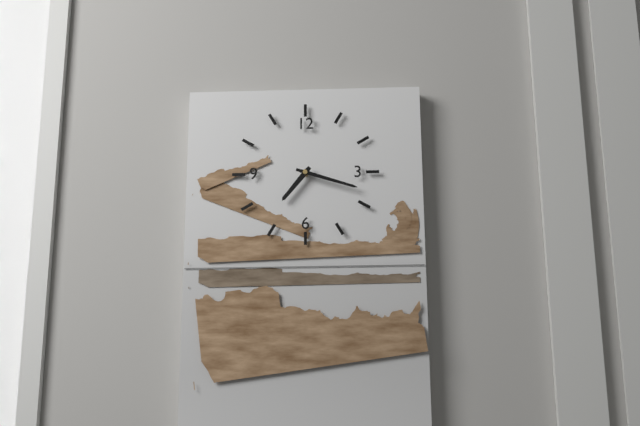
7:18
